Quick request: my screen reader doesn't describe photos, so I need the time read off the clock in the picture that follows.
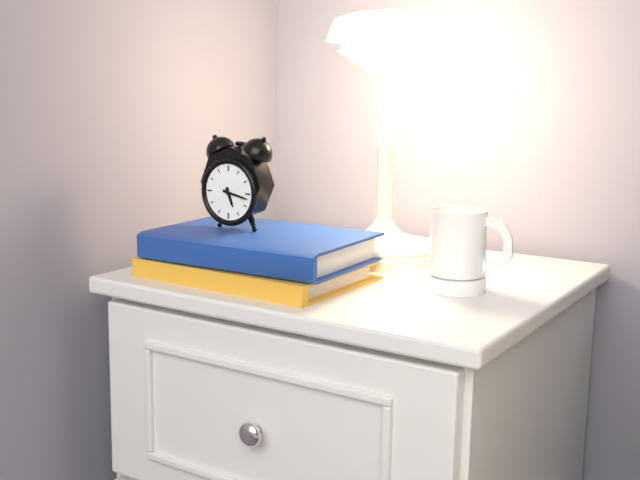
5:17
